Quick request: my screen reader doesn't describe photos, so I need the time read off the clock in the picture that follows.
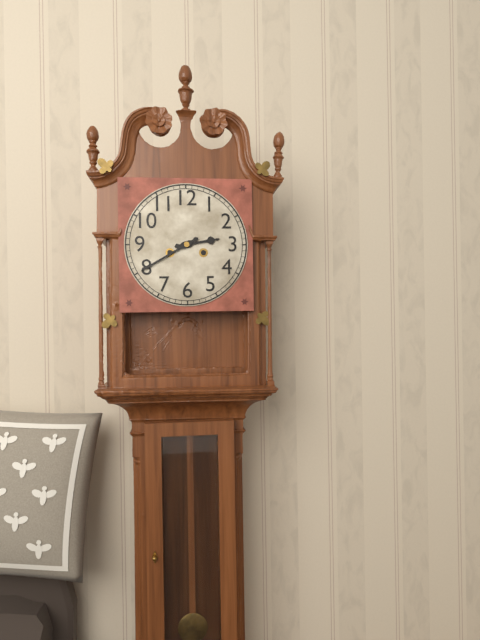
2:40
